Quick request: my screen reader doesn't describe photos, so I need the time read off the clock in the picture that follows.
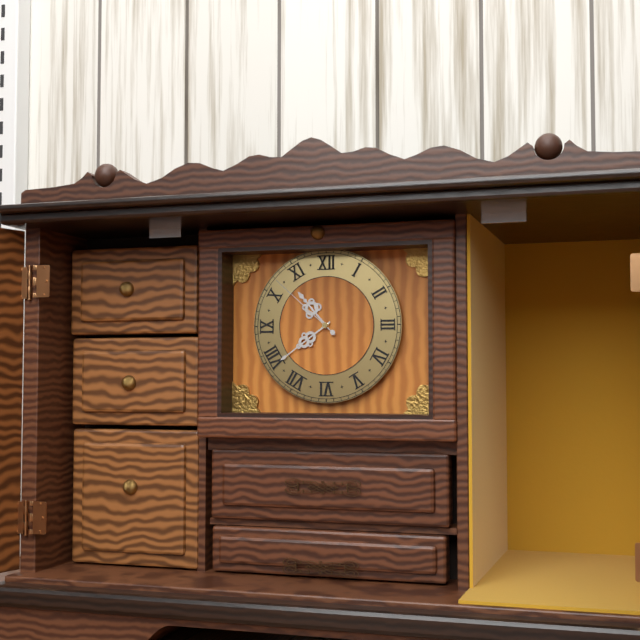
10:39:52
